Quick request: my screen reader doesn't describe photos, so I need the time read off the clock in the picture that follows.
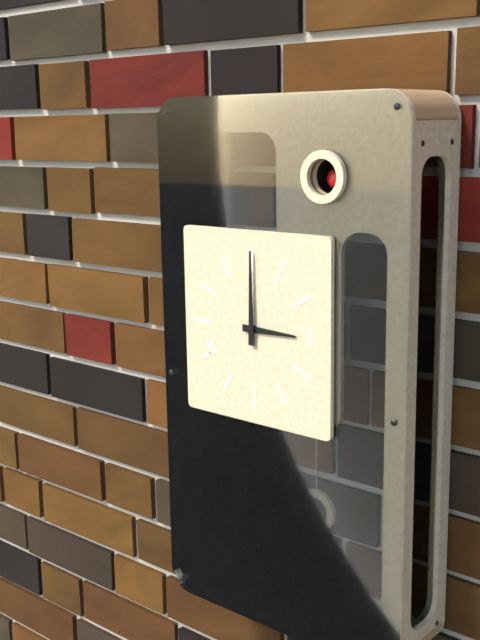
3:00
